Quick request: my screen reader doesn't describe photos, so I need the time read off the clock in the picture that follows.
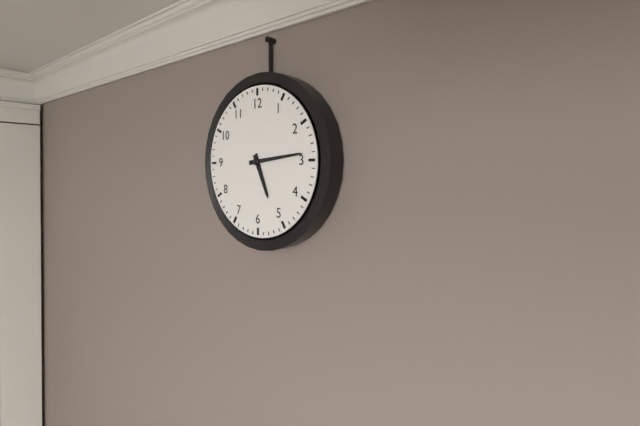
5:14
